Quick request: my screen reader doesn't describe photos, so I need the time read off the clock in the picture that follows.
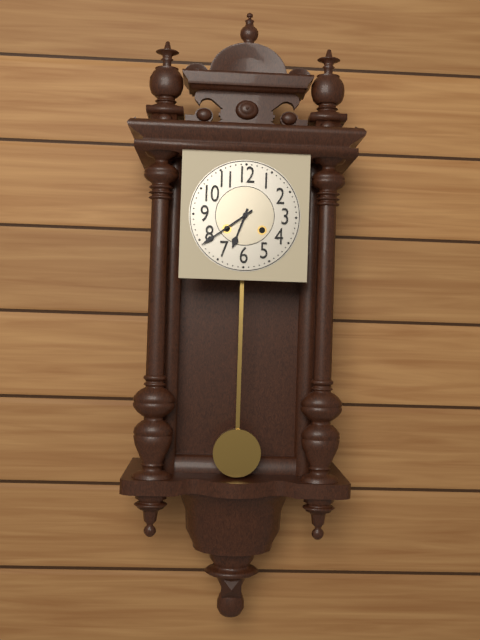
6:39
